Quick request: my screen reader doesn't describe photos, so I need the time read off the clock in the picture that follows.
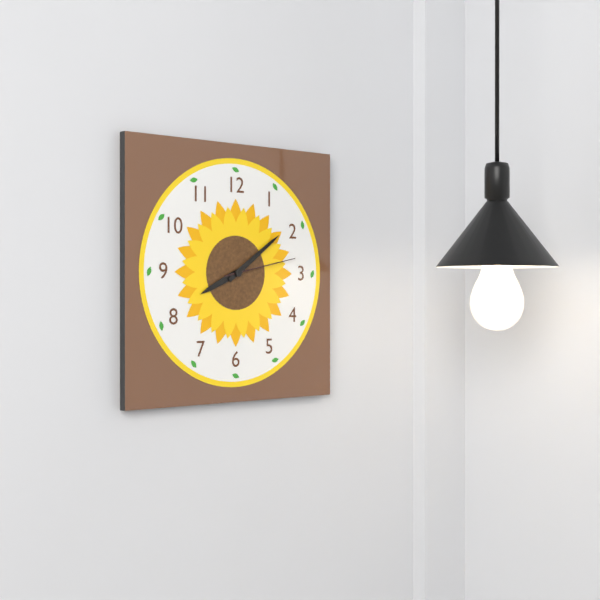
8:09:13
